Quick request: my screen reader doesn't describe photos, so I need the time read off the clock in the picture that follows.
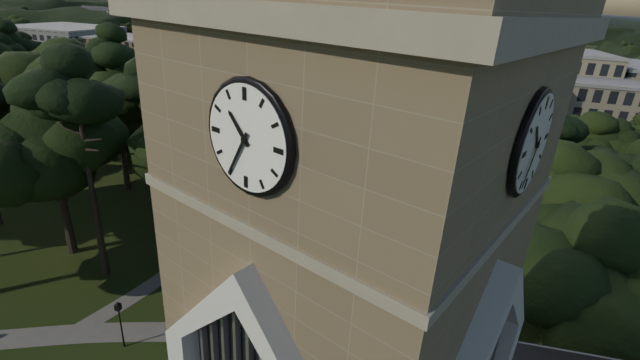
10:35
